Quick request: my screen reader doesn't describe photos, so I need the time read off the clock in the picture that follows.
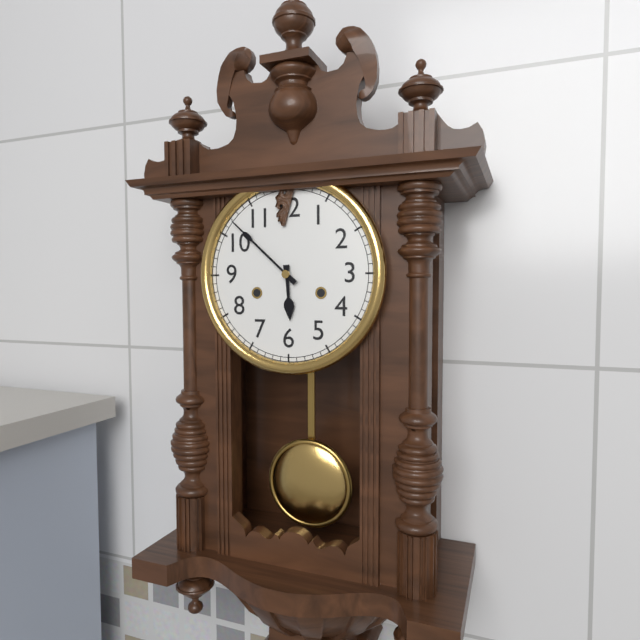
5:52
